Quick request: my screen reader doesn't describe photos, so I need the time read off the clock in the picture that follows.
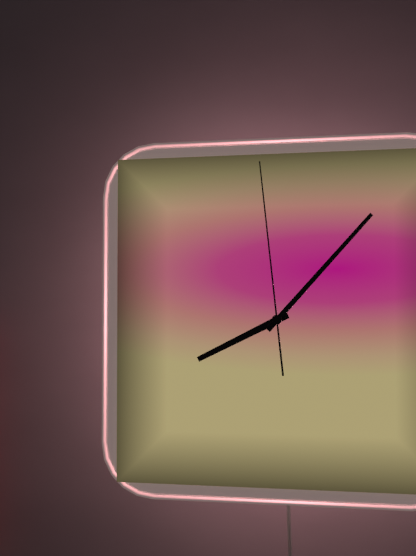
8:07:59
